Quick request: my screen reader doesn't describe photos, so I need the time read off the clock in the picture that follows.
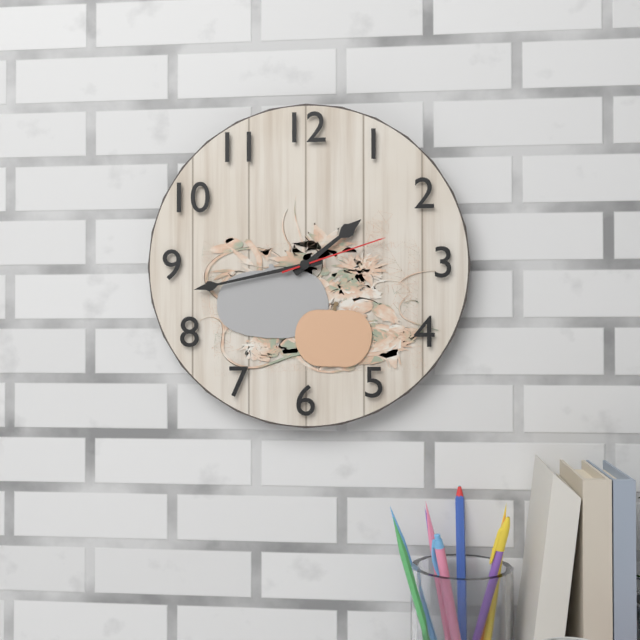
1:43:12
